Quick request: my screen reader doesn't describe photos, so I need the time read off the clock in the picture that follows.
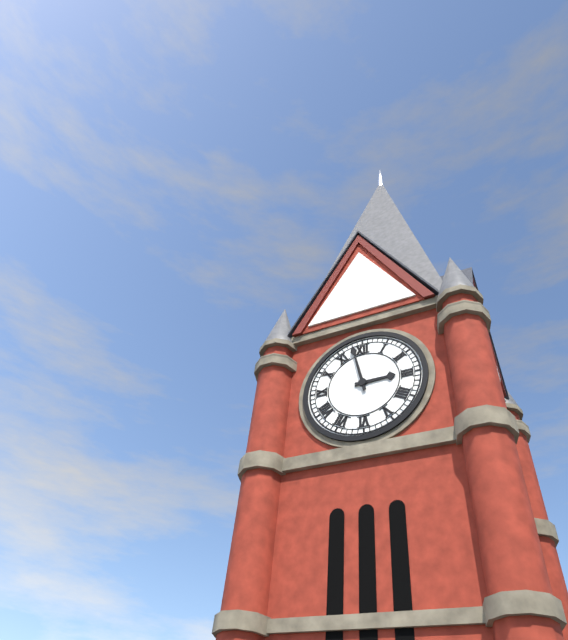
2:58
